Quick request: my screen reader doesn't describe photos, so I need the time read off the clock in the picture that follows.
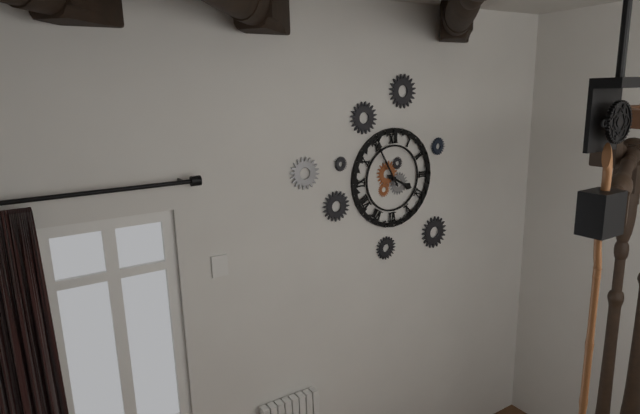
3:55
